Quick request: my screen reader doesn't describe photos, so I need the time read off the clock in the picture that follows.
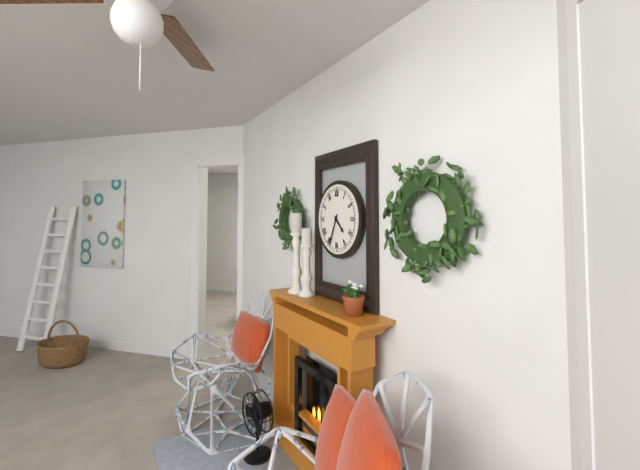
4:34
